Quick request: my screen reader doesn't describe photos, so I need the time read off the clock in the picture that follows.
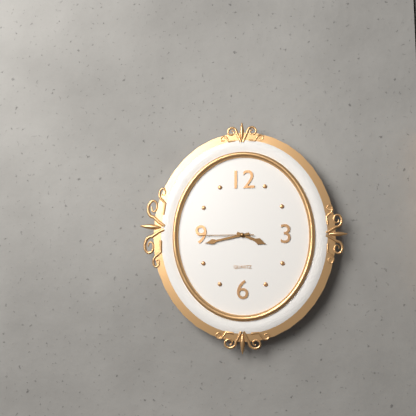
3:43:45
